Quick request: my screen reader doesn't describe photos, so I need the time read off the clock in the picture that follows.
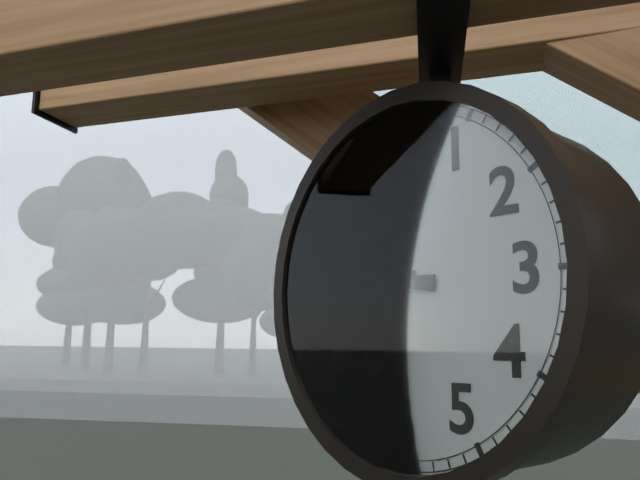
8:46
